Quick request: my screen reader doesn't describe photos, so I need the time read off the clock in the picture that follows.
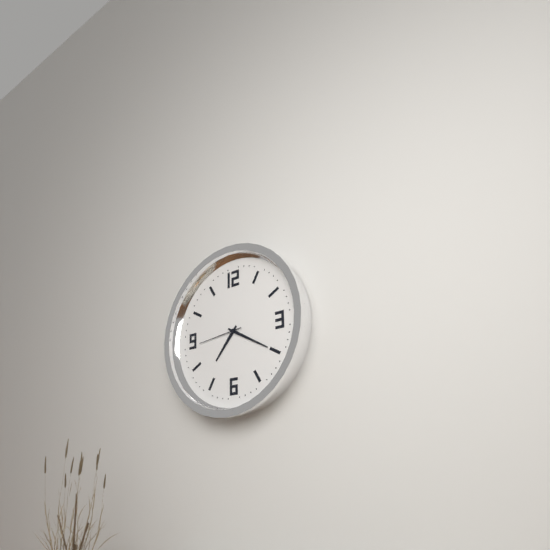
7:20
